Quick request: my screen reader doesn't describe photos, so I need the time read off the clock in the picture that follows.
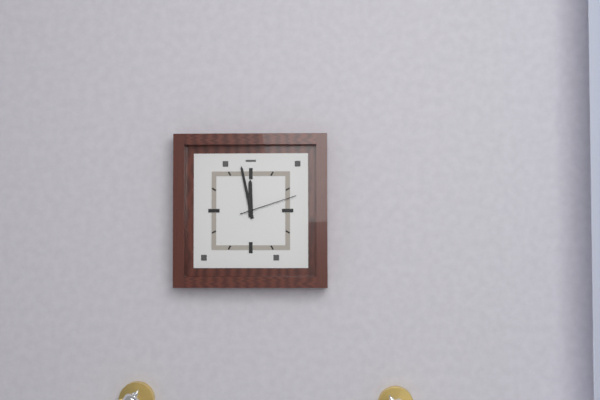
11:58:12
